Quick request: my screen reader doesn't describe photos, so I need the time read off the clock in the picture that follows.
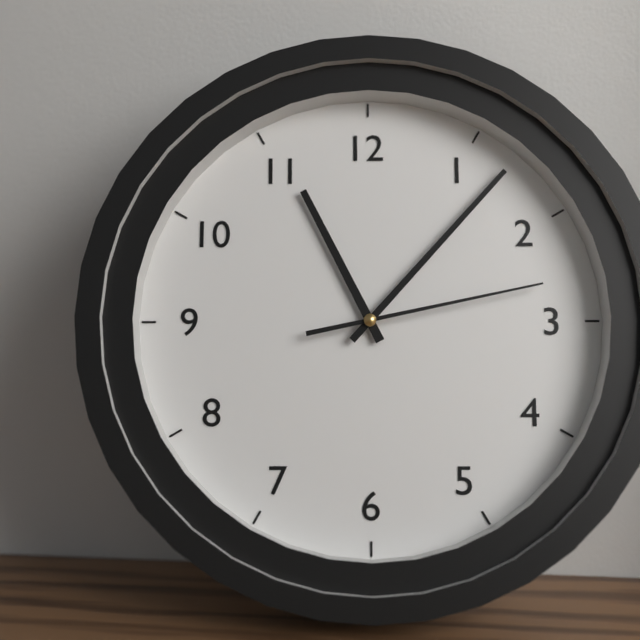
11:07:13
